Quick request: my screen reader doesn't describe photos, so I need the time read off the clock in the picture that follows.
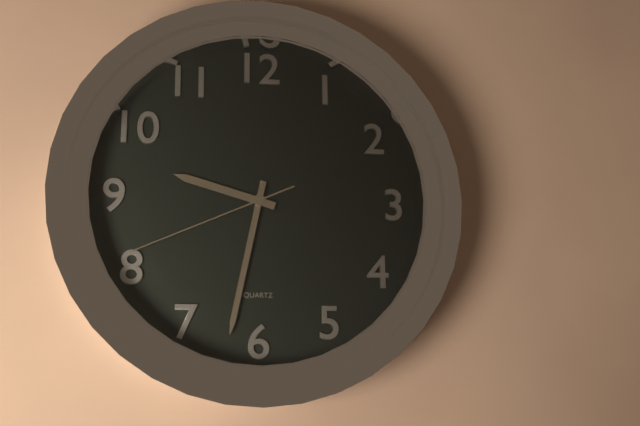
9:32:41
